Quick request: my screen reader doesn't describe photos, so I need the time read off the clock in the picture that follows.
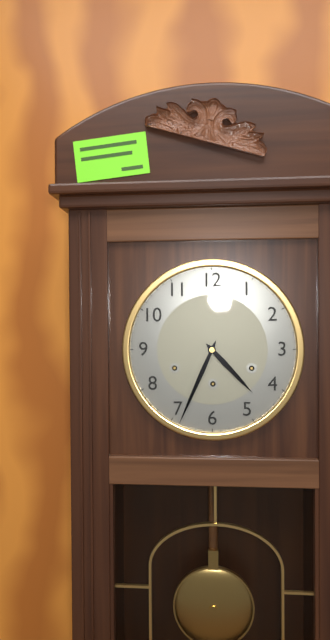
4:34
